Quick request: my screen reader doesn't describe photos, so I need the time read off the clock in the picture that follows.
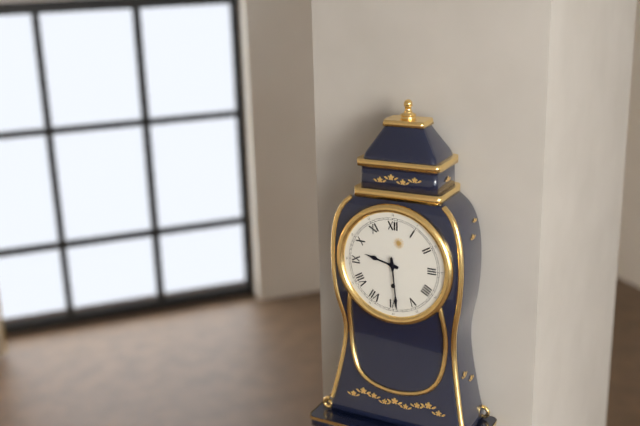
9:29
